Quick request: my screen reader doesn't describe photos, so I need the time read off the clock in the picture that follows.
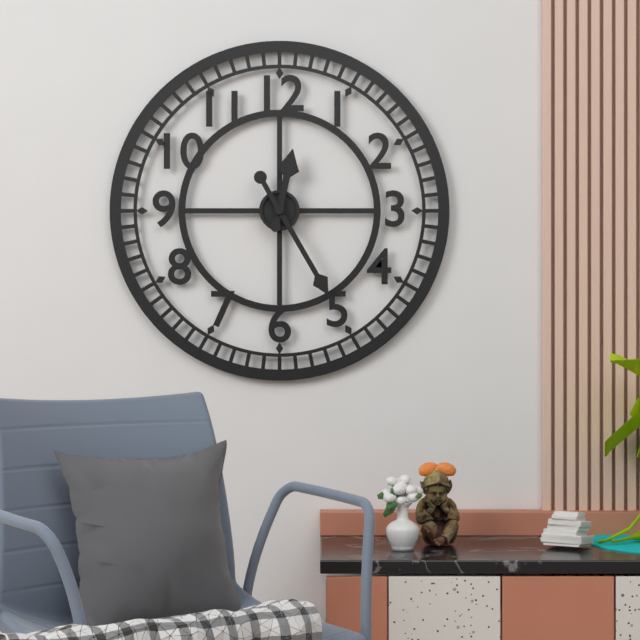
12:25
